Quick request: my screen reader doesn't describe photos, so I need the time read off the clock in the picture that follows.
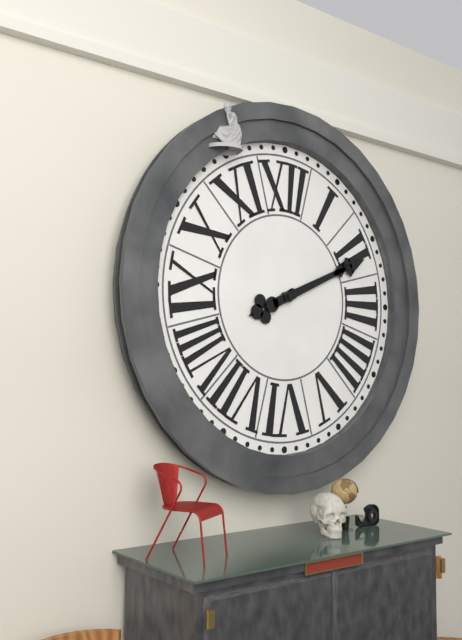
8:11
